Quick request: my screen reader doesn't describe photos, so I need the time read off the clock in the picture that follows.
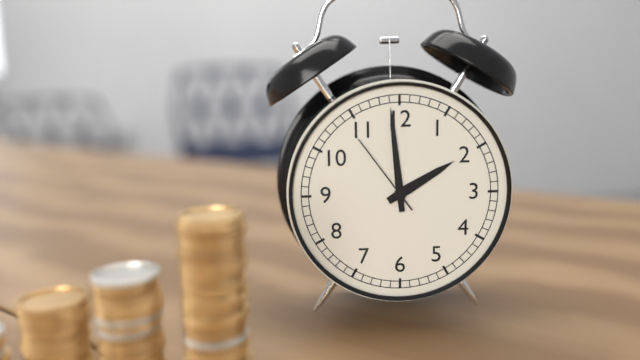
1:59:54
